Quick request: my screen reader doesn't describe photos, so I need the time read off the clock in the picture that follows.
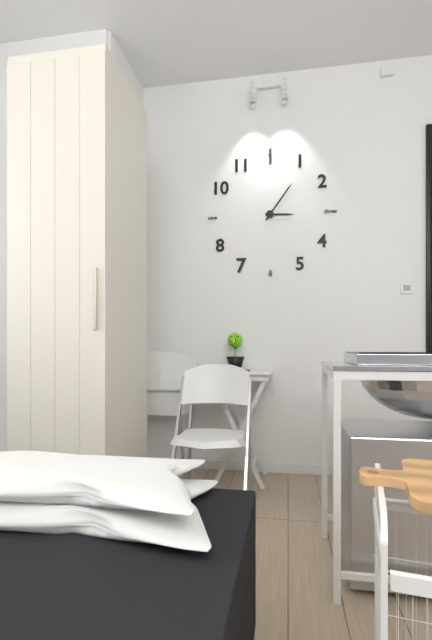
3:06
